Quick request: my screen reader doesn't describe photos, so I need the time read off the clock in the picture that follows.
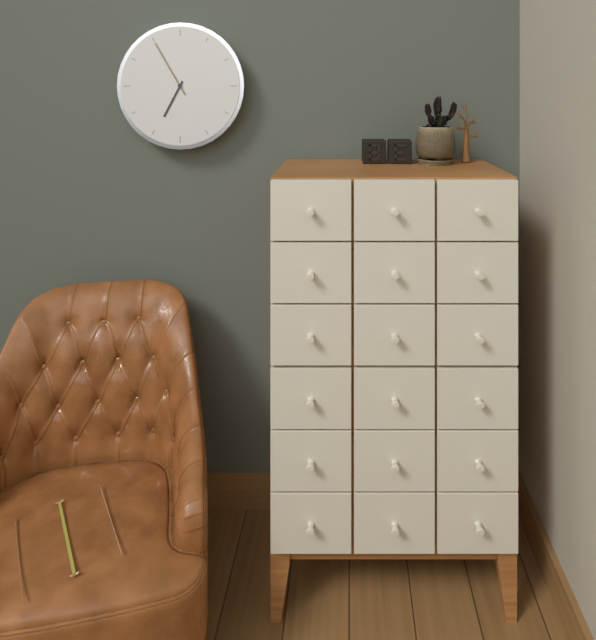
6:55
